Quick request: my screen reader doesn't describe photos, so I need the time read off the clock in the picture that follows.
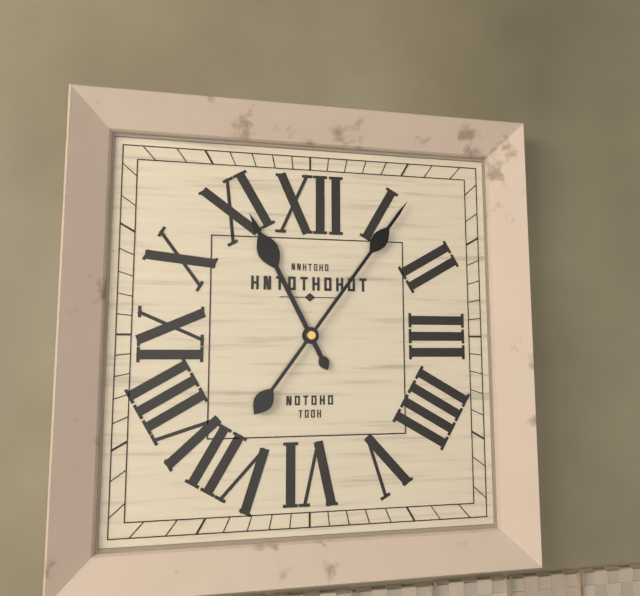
11:06
